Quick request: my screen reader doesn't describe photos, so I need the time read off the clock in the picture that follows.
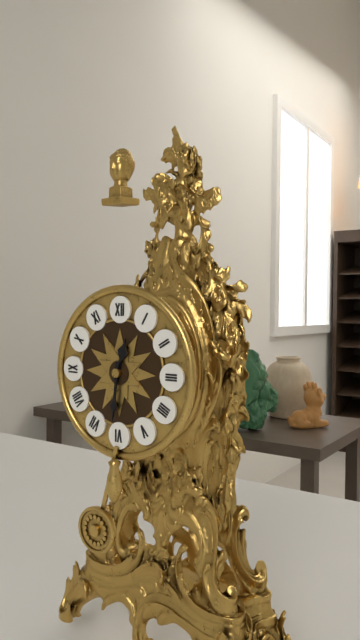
12:31
